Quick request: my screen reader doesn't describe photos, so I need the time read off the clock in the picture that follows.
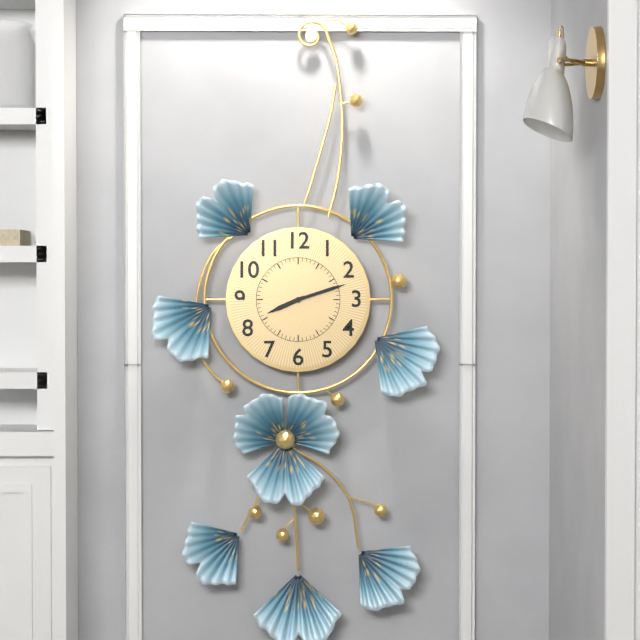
8:12
